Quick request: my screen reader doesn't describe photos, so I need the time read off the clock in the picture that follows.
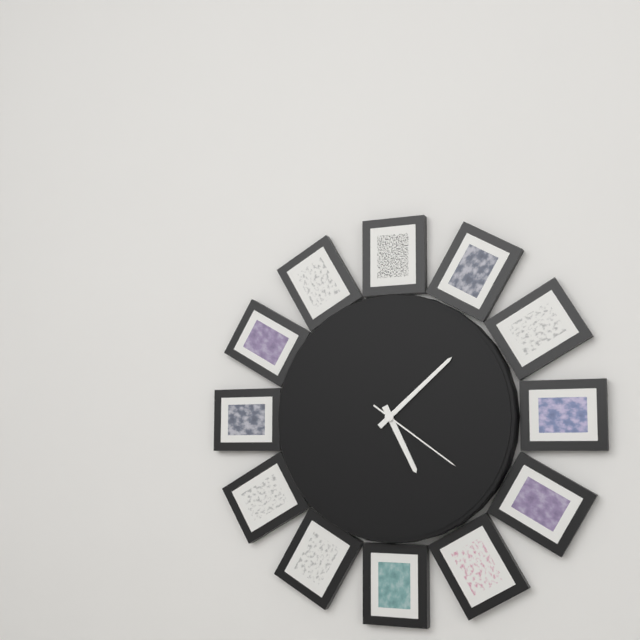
5:08:21
